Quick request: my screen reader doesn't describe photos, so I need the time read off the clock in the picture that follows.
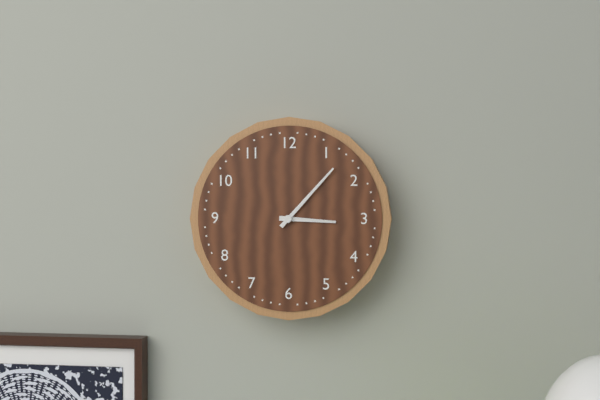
3:07
